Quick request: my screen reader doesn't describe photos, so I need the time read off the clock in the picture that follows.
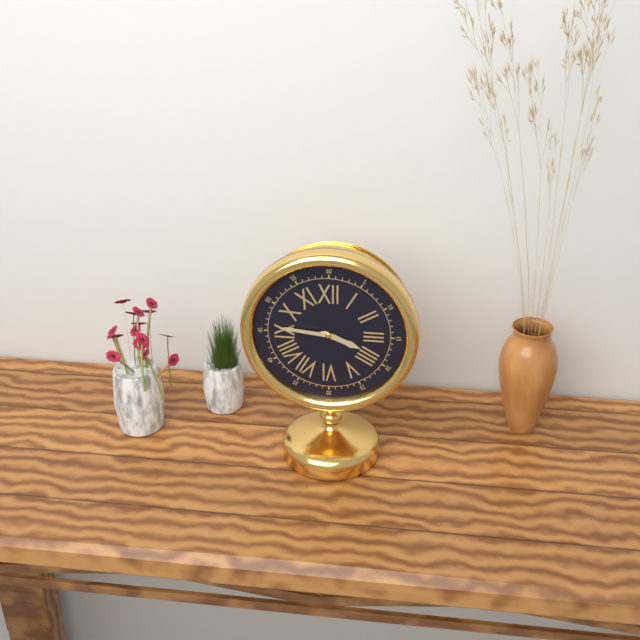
3:46
